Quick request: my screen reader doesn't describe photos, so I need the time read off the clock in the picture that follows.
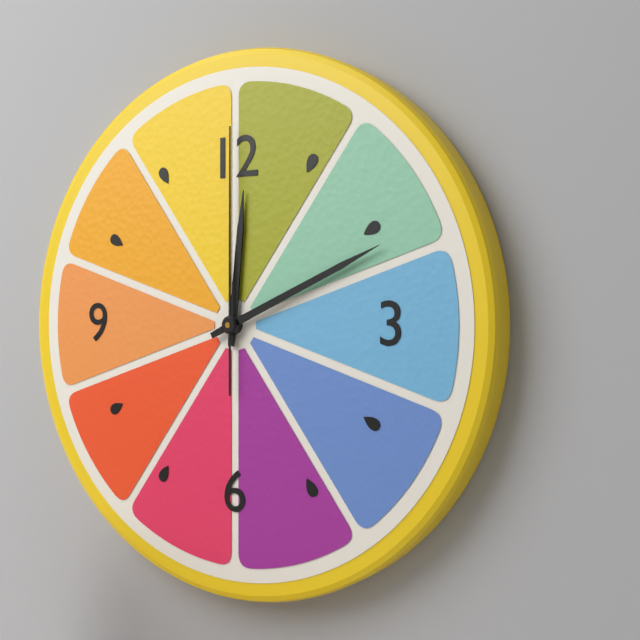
12:11:00
